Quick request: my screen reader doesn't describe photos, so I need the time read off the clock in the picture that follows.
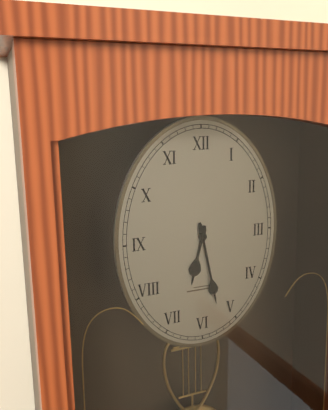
6:28
